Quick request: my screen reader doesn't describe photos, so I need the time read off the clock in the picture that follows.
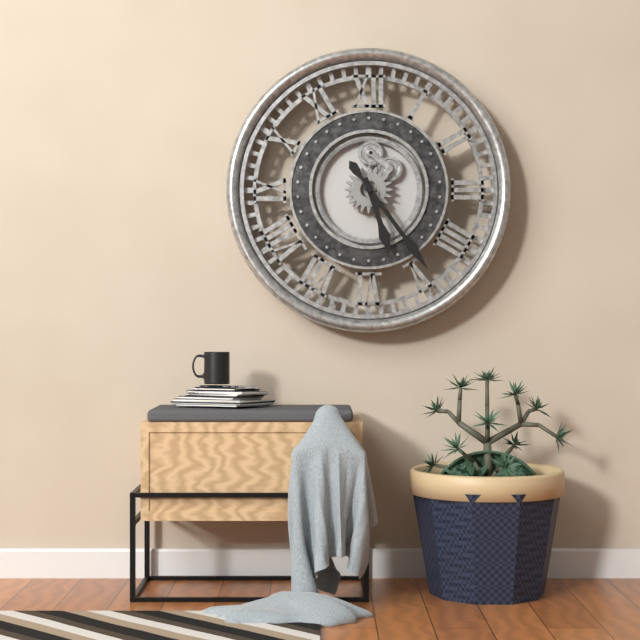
5:24
